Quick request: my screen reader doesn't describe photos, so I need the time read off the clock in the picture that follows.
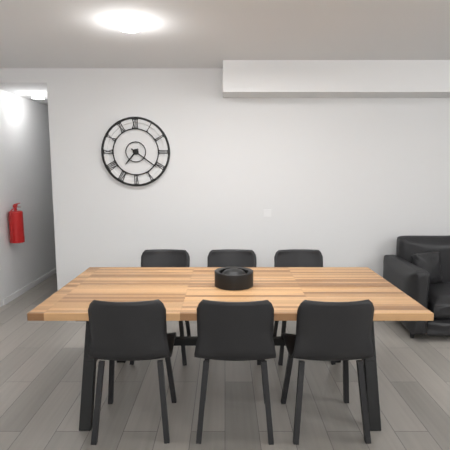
7:21
